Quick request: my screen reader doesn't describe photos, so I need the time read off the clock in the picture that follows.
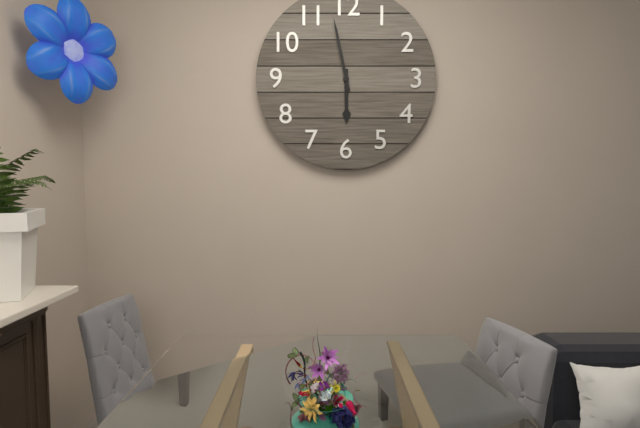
5:58
